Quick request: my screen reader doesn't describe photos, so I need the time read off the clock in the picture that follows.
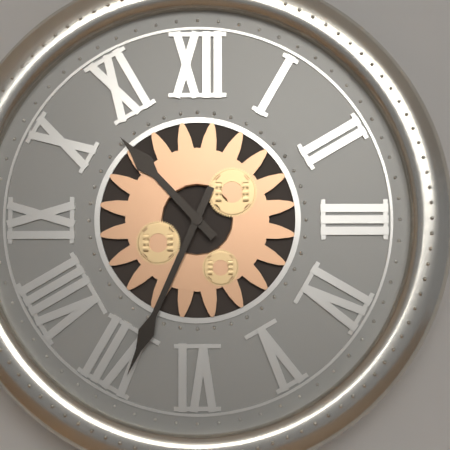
10:34
